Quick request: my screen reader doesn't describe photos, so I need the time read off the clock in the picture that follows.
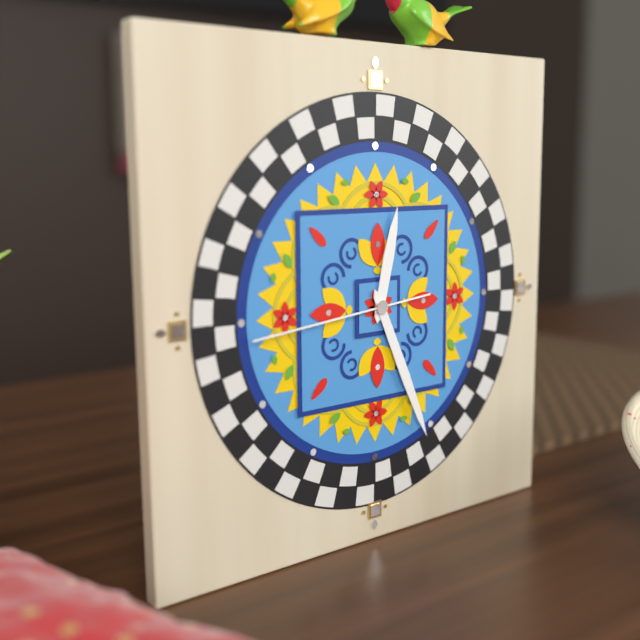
12:26:44
